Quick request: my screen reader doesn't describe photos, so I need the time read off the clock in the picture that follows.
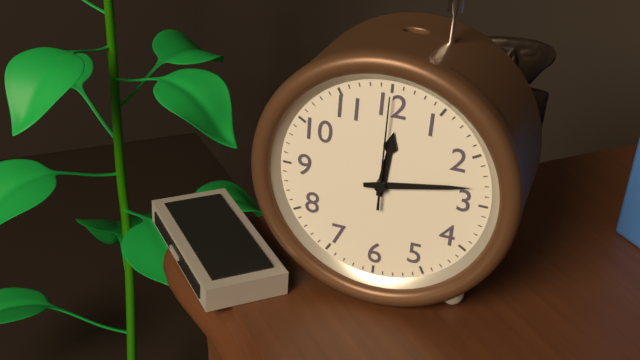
12:13:00
